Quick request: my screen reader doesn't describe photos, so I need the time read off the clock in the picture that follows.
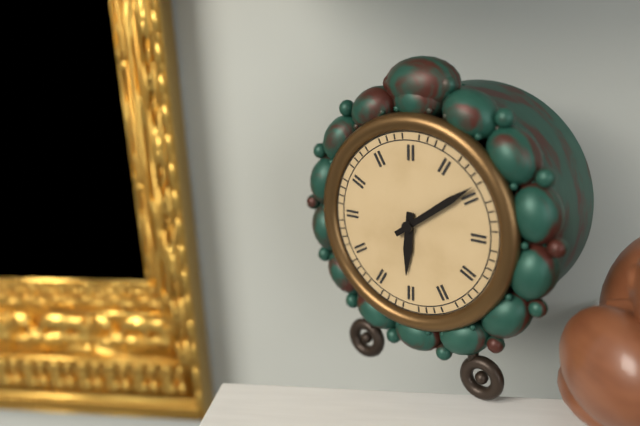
6:09
